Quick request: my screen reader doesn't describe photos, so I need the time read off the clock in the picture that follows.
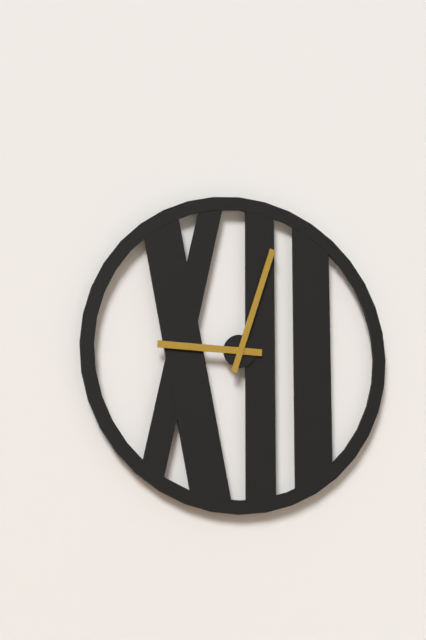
9:03
